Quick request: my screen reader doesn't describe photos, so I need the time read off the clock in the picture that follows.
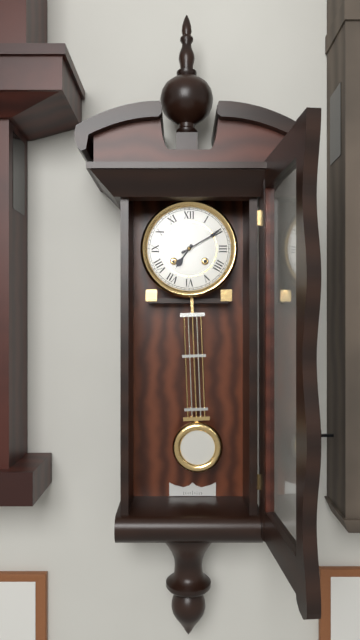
7:10
